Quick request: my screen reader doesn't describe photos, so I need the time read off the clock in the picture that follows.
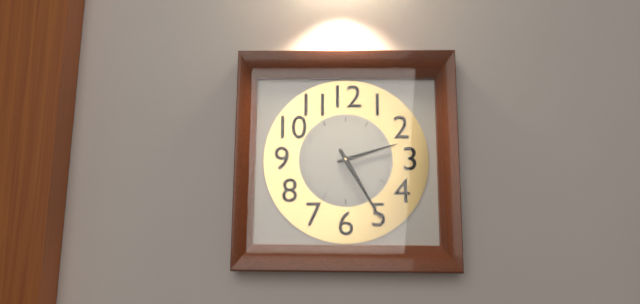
2:25
